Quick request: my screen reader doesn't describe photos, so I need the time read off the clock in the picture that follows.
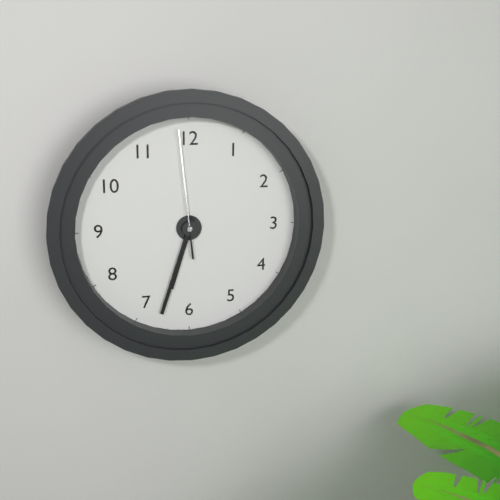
6:33:59
